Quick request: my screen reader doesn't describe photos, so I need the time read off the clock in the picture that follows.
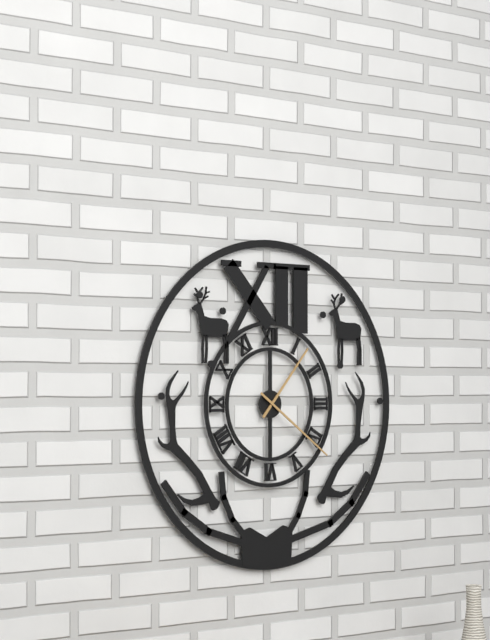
1:21
